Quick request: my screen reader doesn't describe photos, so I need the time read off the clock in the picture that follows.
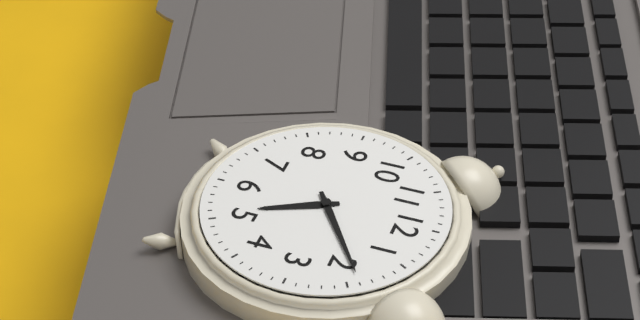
5:09
